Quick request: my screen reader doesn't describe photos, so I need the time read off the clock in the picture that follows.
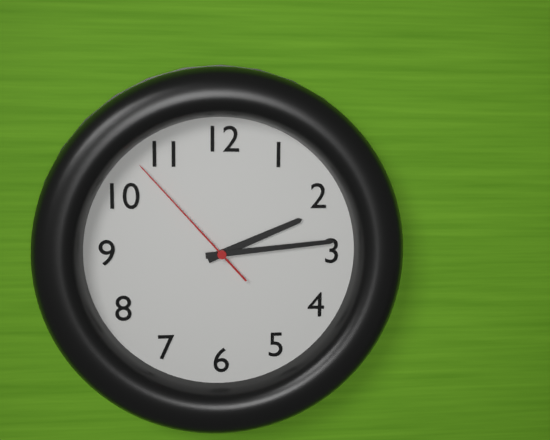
2:14:53
